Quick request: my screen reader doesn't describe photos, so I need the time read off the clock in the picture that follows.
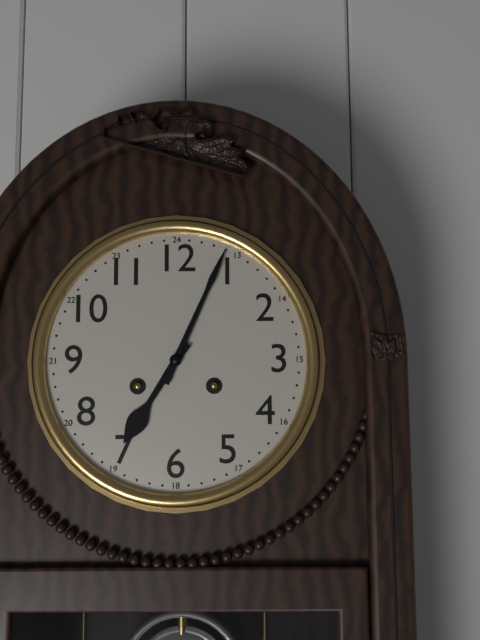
7:04
